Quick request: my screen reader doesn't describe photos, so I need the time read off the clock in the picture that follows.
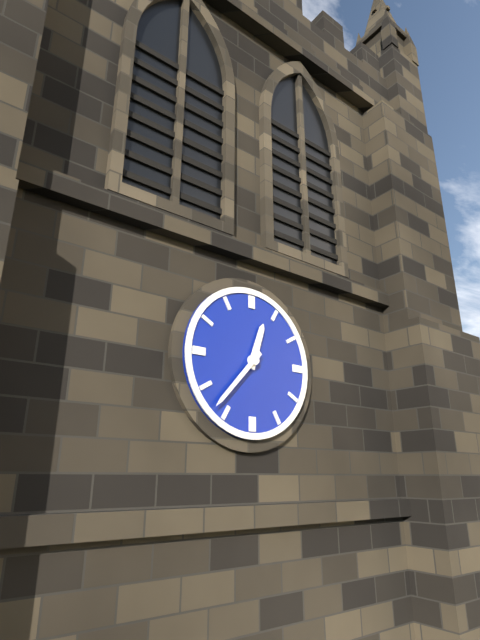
12:37
